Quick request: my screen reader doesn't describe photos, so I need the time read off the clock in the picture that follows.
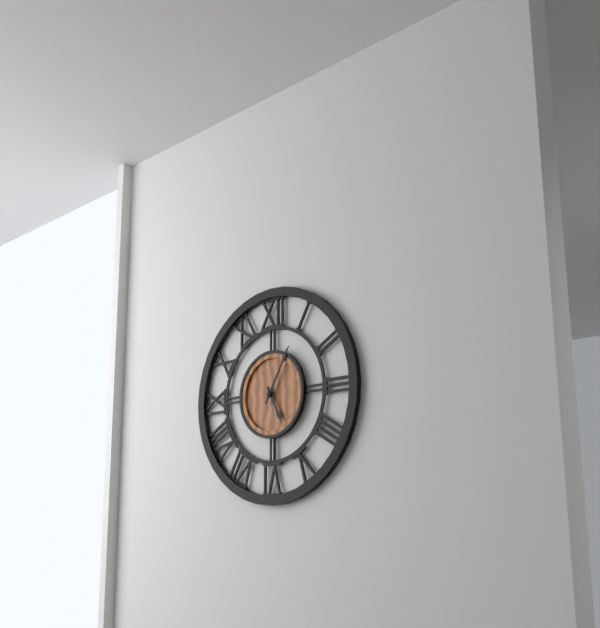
5:05
